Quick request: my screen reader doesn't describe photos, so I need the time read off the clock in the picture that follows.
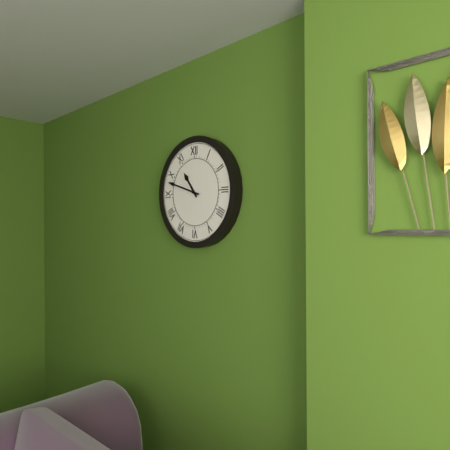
10:48
